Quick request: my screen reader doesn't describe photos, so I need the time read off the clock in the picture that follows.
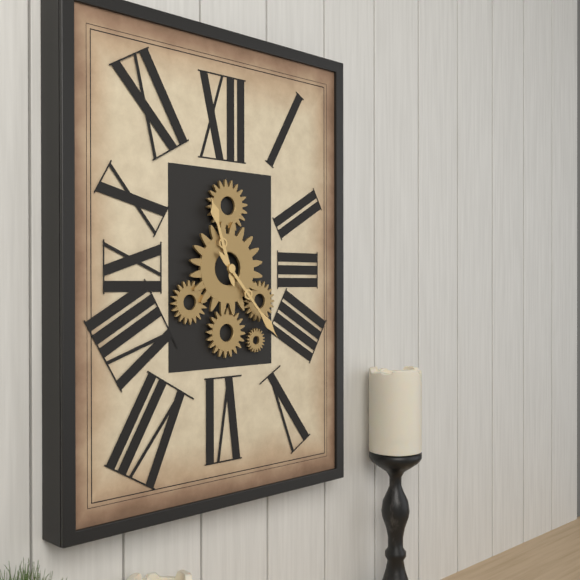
11:23
